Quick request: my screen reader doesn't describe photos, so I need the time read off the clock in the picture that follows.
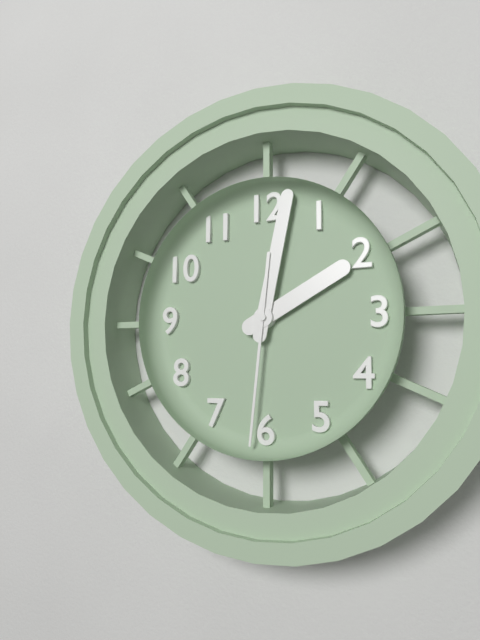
2:02:31
